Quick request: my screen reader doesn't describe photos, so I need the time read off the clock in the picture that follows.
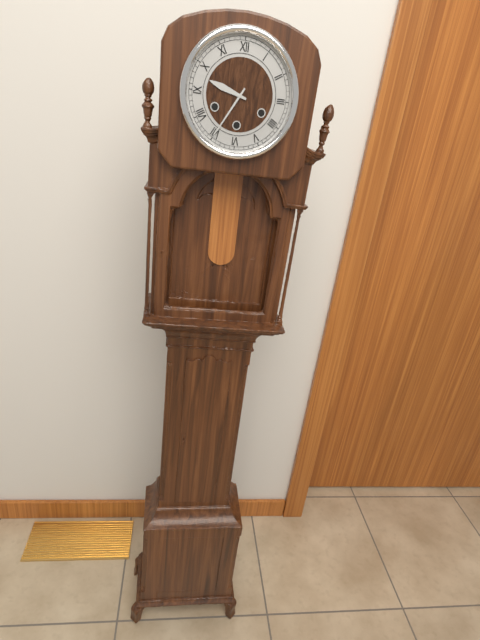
9:35
